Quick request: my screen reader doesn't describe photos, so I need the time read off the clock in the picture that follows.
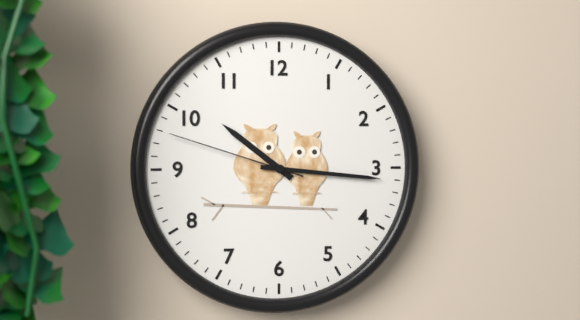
10:16:48
